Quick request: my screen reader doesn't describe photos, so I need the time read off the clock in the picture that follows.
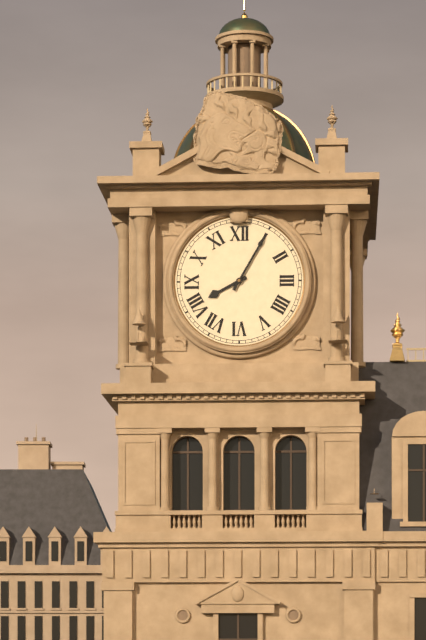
8:05
